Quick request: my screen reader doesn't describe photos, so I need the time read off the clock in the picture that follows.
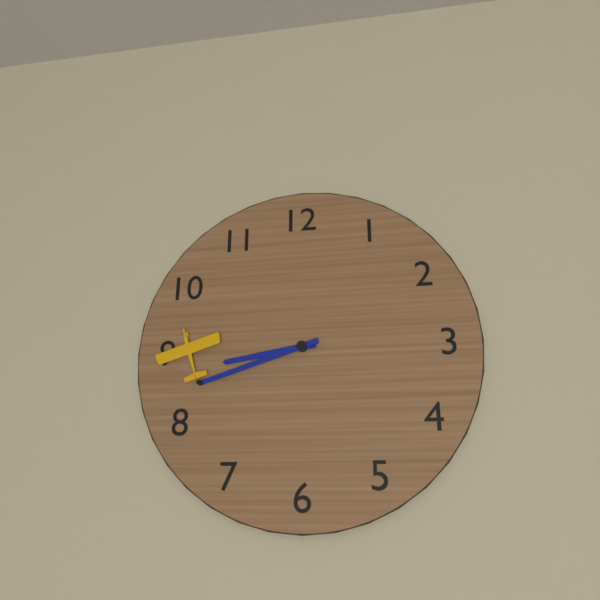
8:42
